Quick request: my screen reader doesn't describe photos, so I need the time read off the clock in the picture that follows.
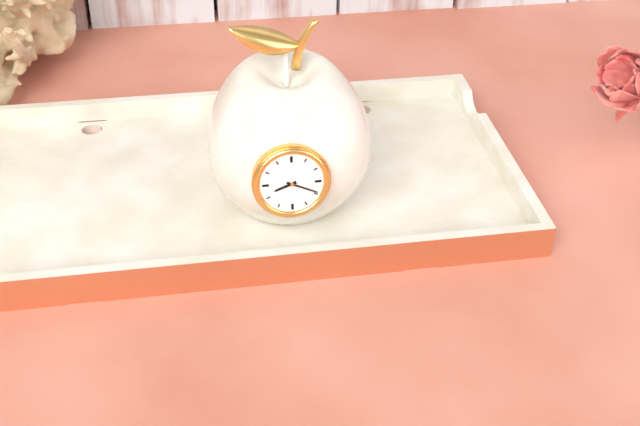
8:19
